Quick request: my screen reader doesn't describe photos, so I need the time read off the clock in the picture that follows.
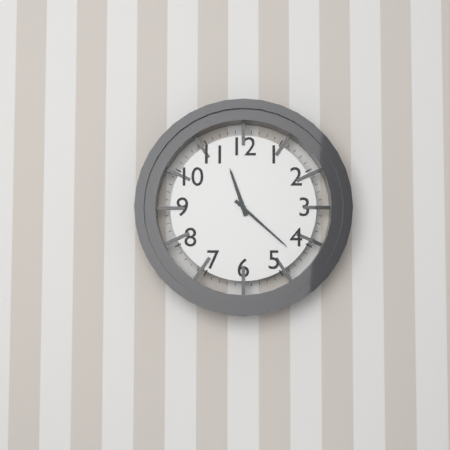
11:22
